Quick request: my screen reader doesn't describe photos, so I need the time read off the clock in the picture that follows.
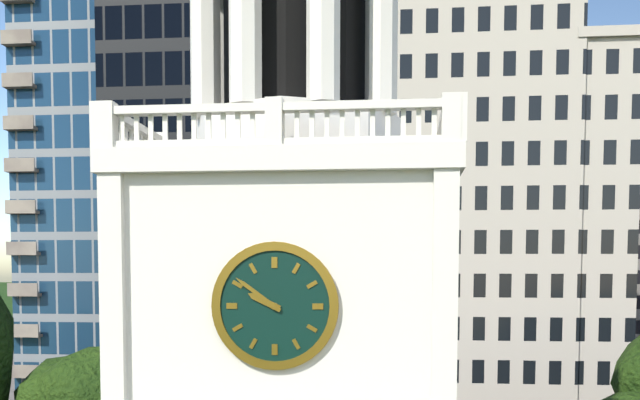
9:51
